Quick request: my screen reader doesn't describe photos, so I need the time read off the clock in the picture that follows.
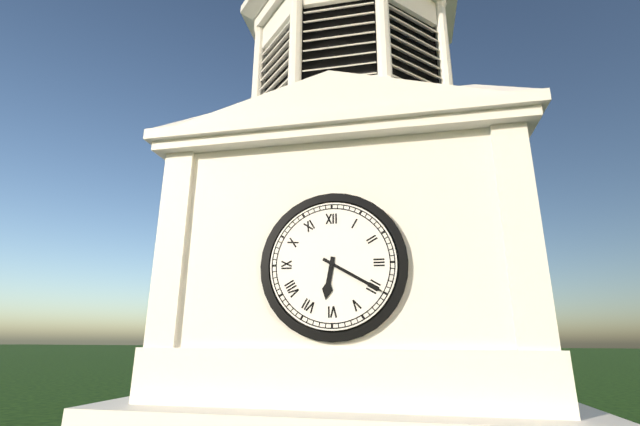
6:20
